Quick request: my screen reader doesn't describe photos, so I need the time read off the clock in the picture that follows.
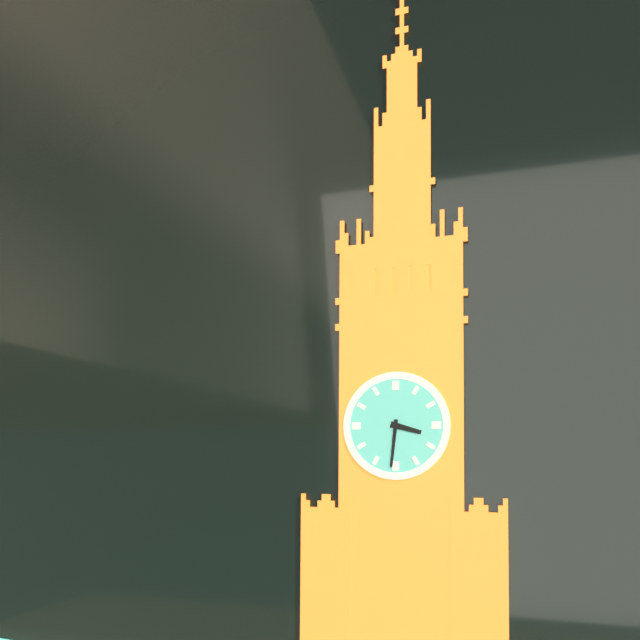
3:31
